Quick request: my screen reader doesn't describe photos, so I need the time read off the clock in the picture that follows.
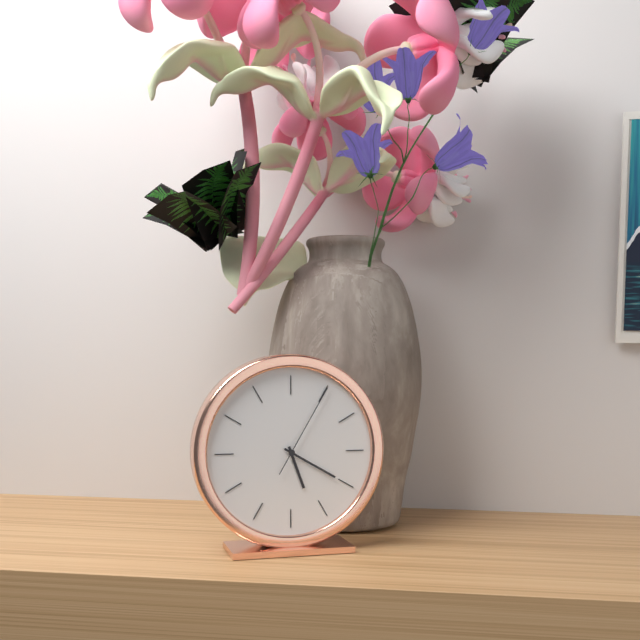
5:20:05
